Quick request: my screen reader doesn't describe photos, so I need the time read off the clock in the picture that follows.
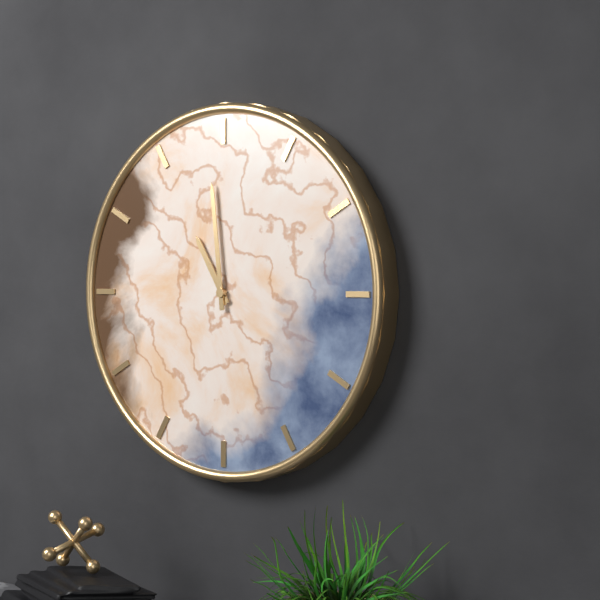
10:59
